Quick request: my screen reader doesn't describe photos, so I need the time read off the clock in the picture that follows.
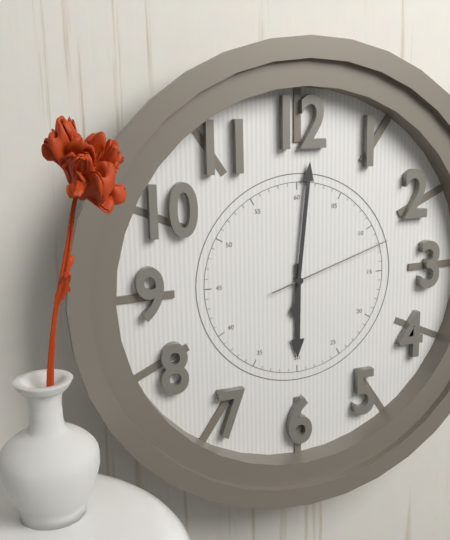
6:01:12
